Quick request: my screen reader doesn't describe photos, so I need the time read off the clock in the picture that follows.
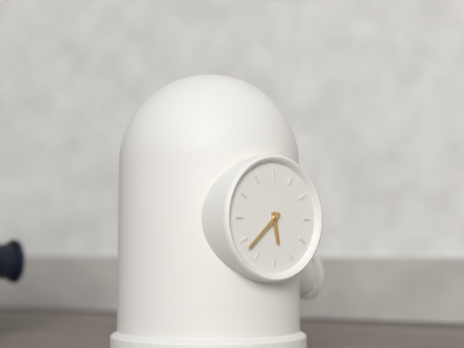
5:38
